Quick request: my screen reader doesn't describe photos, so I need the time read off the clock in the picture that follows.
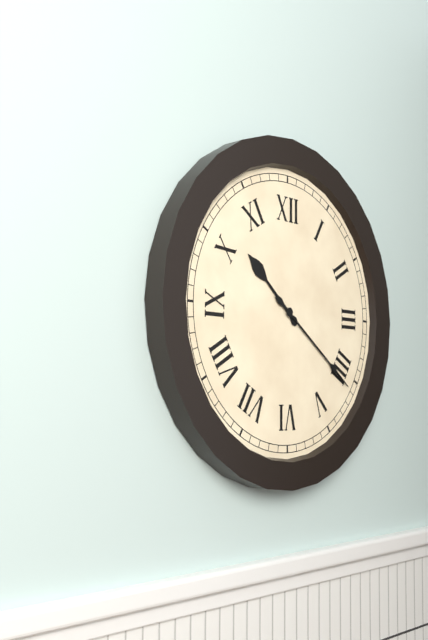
10:21
